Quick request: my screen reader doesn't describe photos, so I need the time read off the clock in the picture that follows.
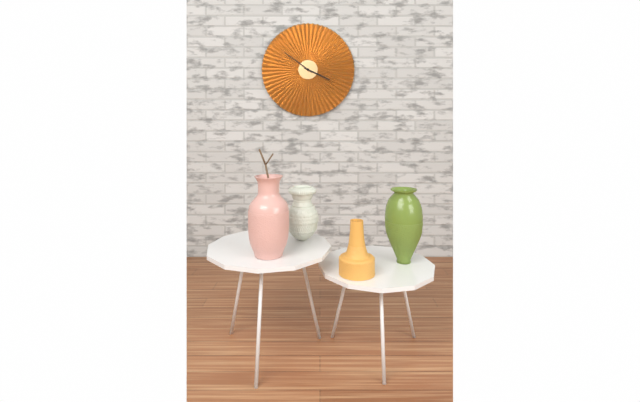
3:51
